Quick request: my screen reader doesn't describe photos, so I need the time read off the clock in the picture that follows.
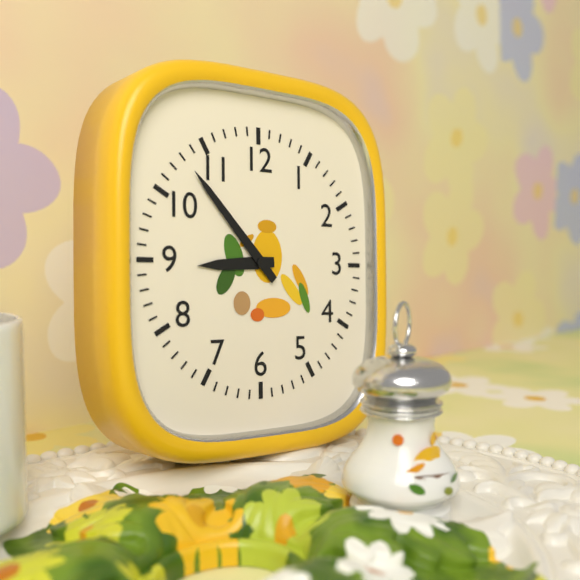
8:53
